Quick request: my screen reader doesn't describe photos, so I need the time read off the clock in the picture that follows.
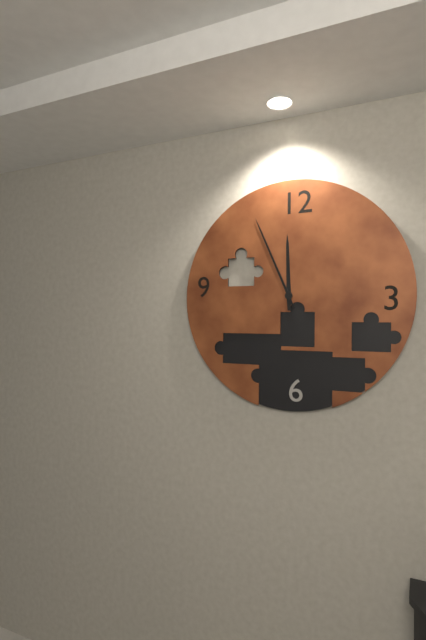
11:56
